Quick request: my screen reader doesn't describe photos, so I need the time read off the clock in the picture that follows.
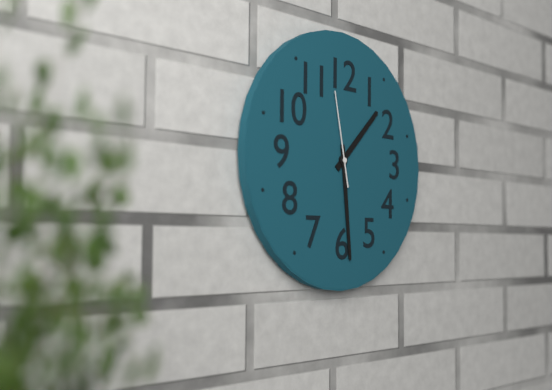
1:29:58
